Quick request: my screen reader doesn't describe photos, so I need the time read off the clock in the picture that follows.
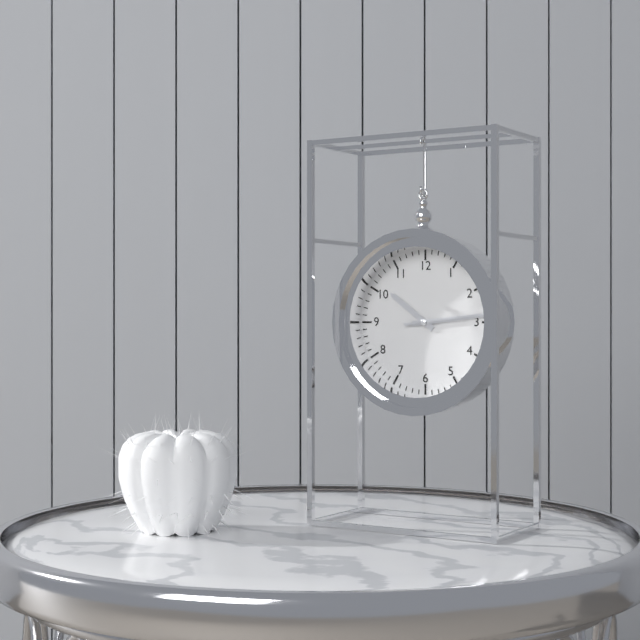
10:14:14
